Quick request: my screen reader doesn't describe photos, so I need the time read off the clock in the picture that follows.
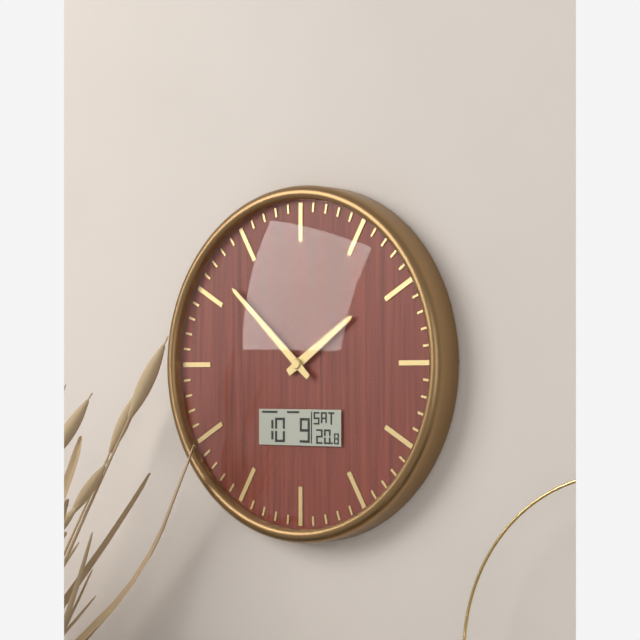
1:52
